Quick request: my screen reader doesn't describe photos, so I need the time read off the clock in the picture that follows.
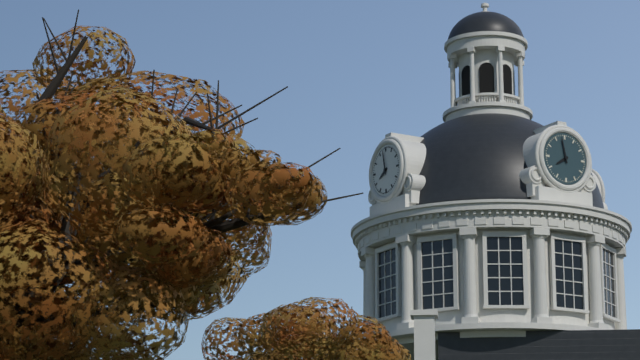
7:58
